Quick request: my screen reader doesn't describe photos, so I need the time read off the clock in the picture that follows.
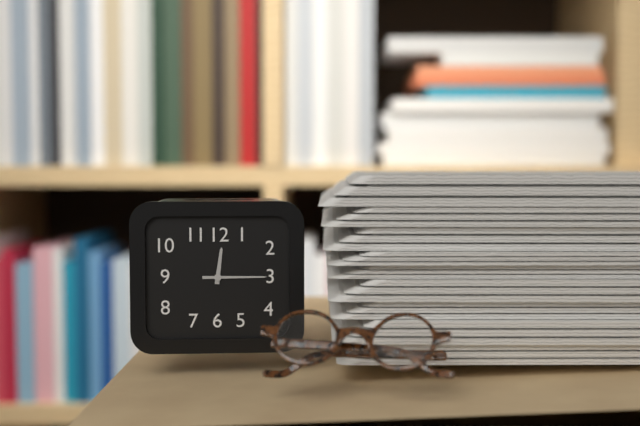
12:15
